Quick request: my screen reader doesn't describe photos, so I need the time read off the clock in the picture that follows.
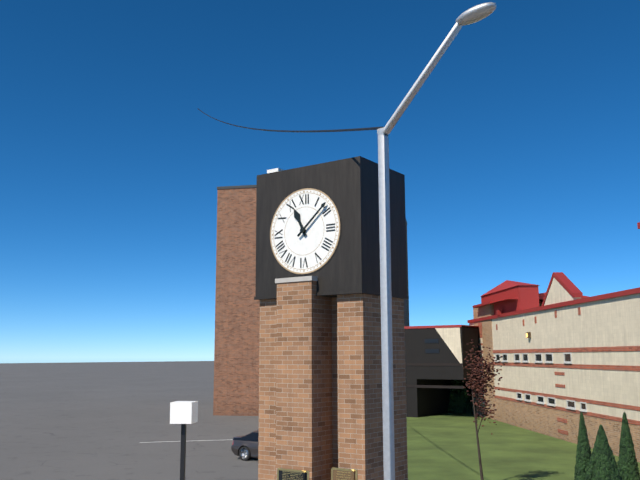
11:08
